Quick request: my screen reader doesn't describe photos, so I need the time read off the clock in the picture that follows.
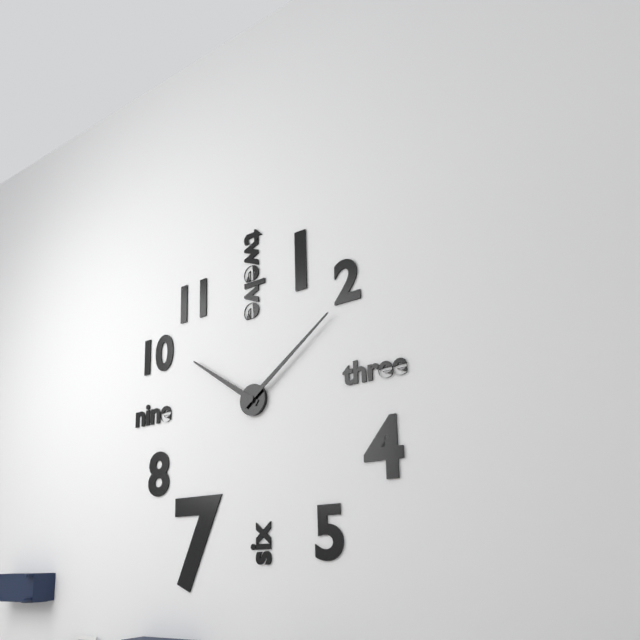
10:09
